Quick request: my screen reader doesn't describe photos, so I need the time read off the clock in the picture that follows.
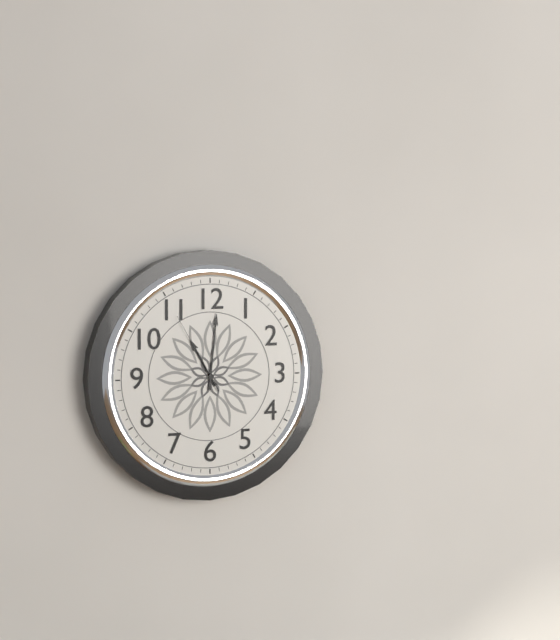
11:01:55
